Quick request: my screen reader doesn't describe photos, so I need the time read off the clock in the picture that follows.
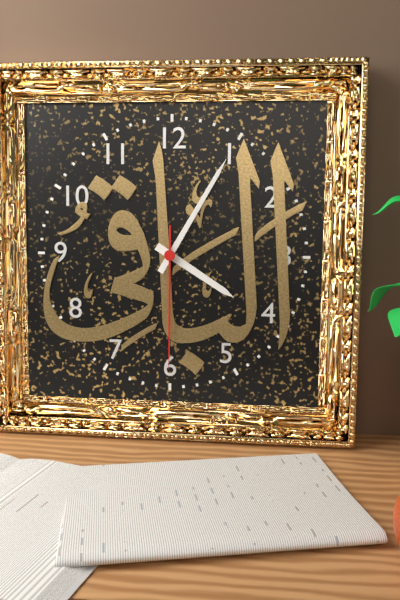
4:05:30
